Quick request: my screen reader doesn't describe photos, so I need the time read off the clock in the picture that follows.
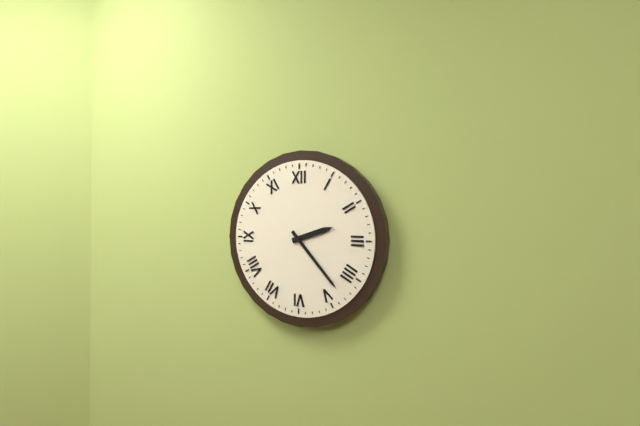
2:23
